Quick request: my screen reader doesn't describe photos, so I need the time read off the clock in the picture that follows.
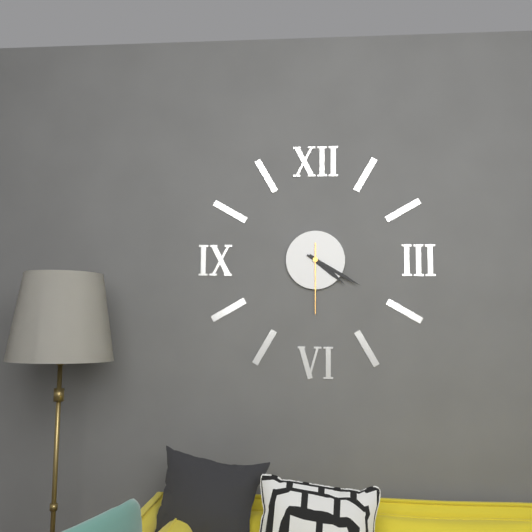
4:20:30
